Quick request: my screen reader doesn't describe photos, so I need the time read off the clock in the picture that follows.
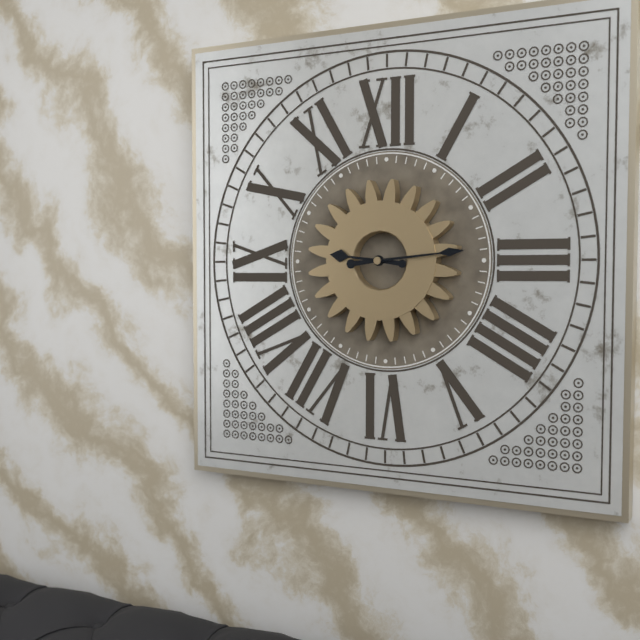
9:14
